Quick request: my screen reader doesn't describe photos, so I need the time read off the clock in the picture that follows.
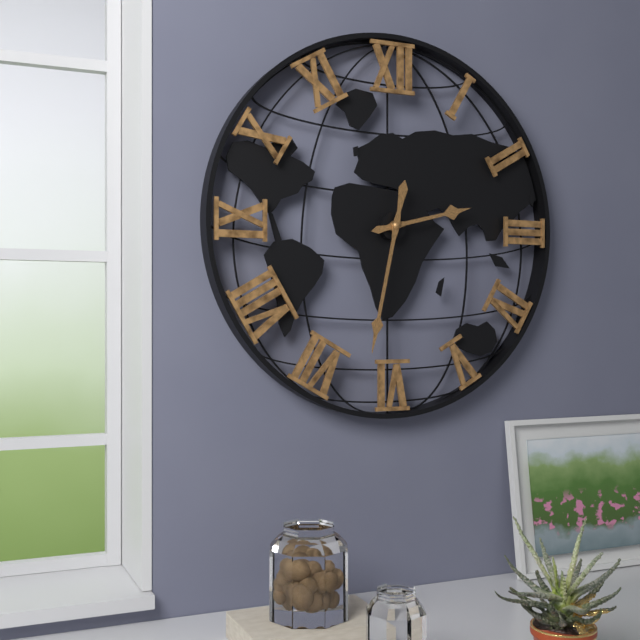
2:32
